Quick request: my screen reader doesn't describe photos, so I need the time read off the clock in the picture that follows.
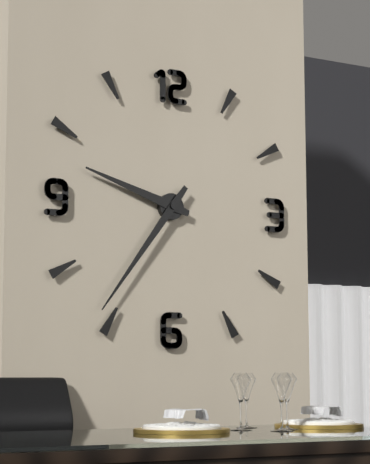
9:36
